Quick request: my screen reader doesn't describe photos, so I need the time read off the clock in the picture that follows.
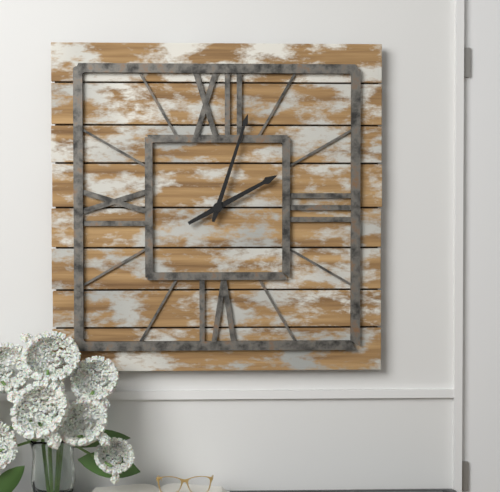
2:03
